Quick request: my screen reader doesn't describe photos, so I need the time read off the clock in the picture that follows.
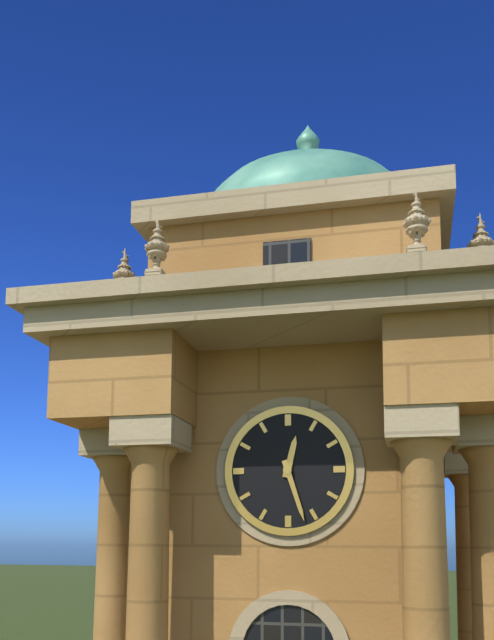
12:27
